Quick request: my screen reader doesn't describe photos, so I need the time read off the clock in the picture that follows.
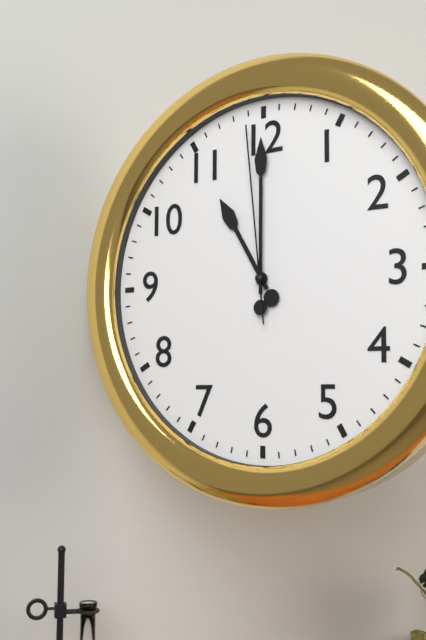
11:00:59
